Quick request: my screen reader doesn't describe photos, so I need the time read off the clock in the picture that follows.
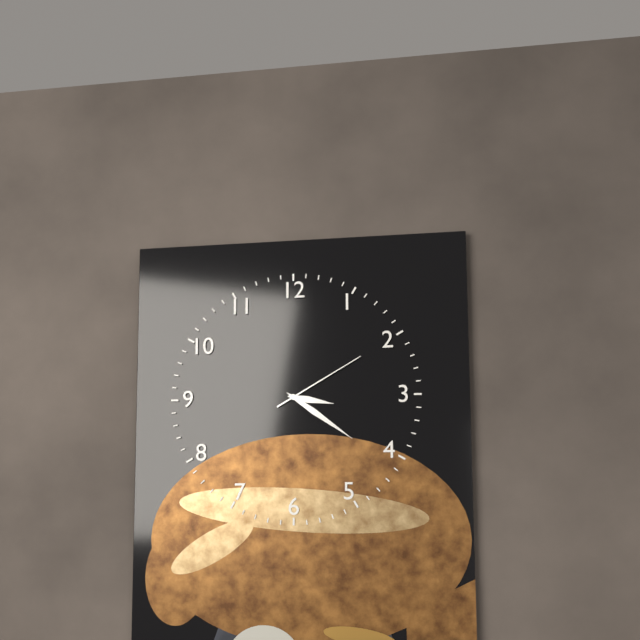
3:21:10
